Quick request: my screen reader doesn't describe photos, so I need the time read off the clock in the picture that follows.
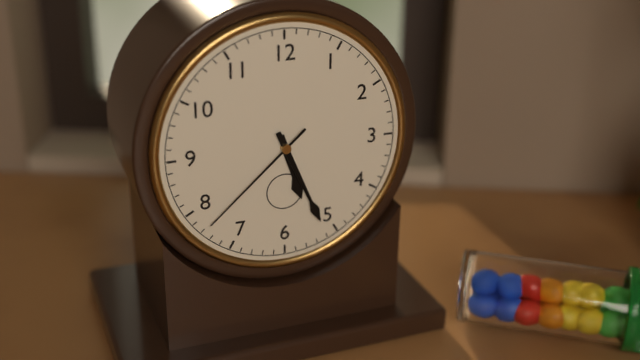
5:26:38
